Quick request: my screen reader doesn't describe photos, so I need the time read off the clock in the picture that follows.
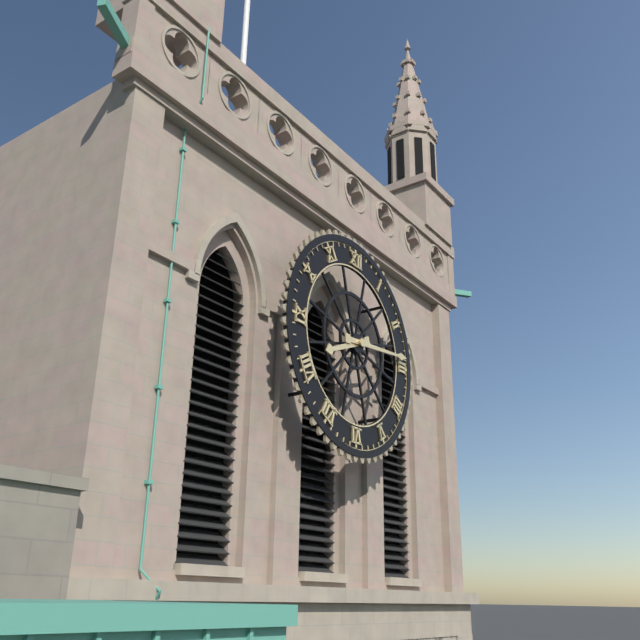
8:14
